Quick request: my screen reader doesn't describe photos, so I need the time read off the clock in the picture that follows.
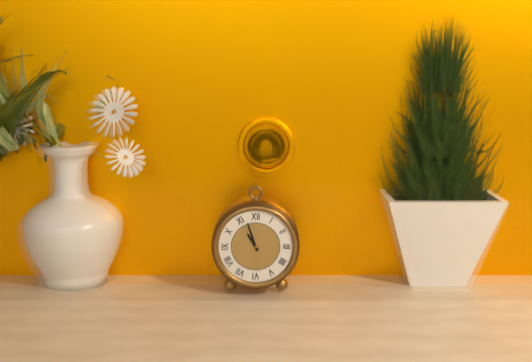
10:57
